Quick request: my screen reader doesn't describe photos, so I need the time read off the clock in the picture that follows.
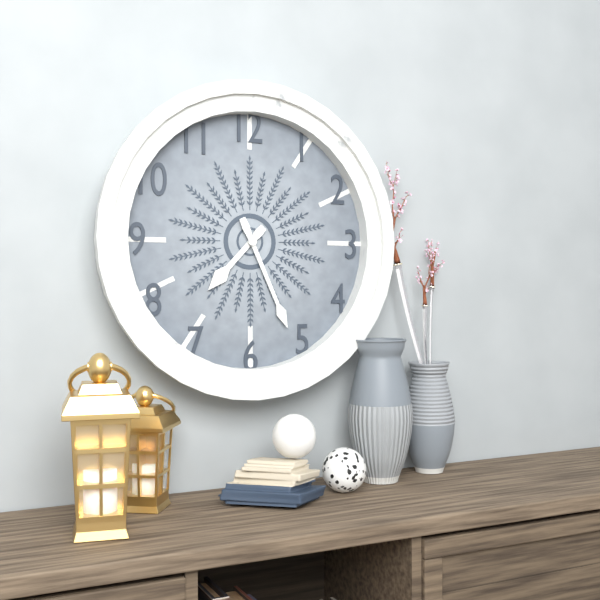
7:26
